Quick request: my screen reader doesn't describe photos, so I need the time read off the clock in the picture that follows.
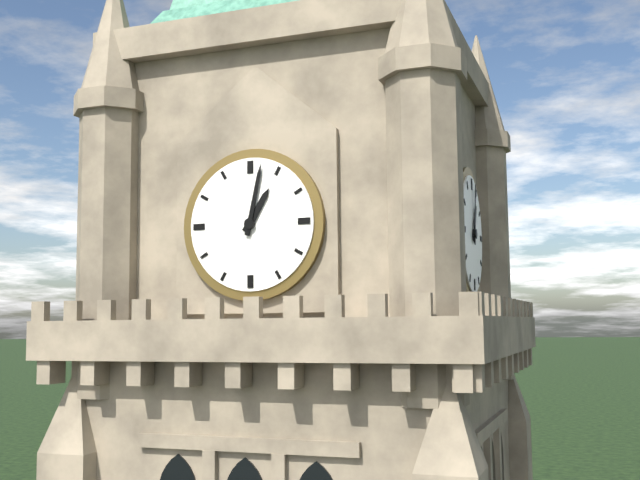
1:02
